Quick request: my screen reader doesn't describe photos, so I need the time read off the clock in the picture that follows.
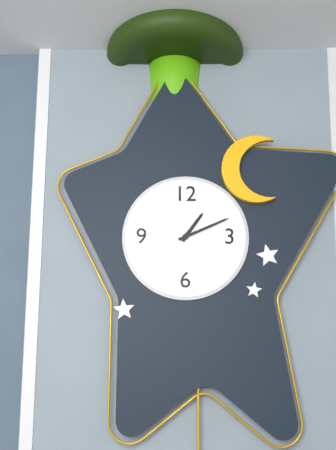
1:11
